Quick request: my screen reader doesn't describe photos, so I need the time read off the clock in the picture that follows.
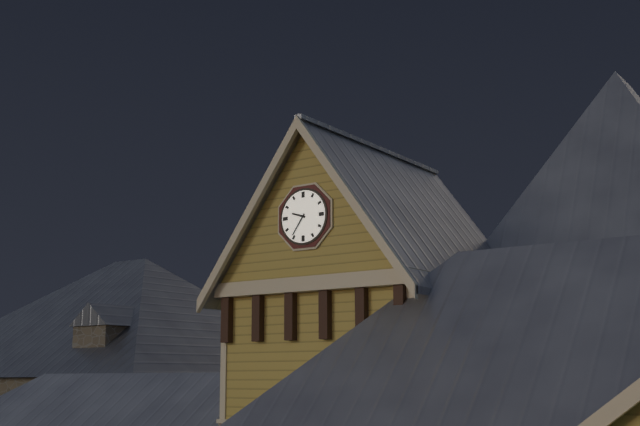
9:36
